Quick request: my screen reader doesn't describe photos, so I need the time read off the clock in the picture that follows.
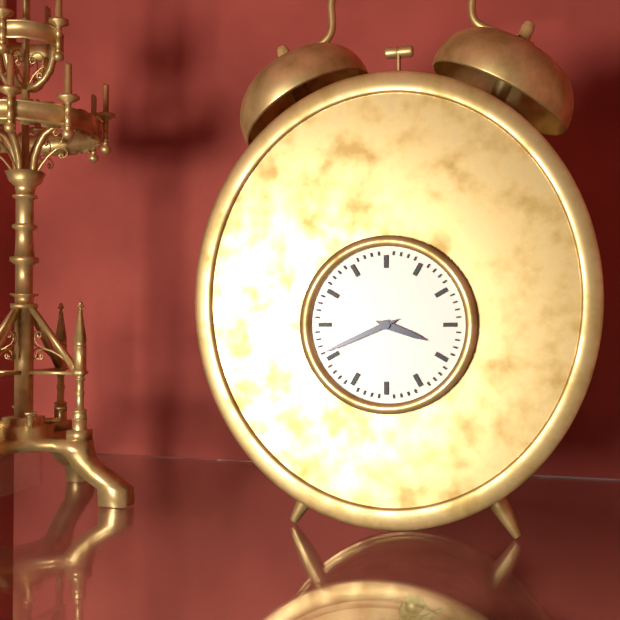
3:41
